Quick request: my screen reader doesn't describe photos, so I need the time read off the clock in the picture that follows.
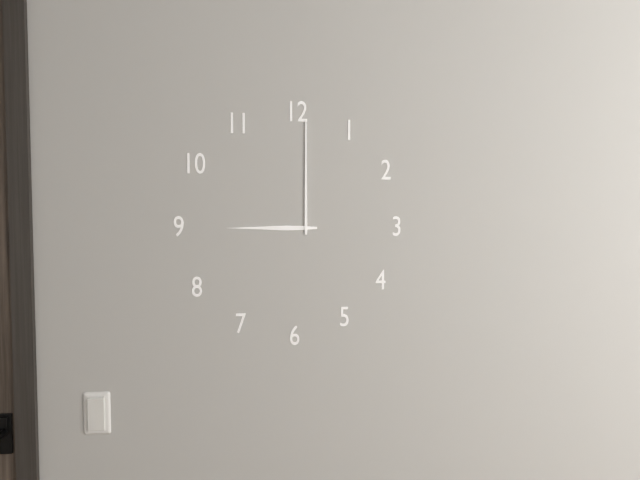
9:00
